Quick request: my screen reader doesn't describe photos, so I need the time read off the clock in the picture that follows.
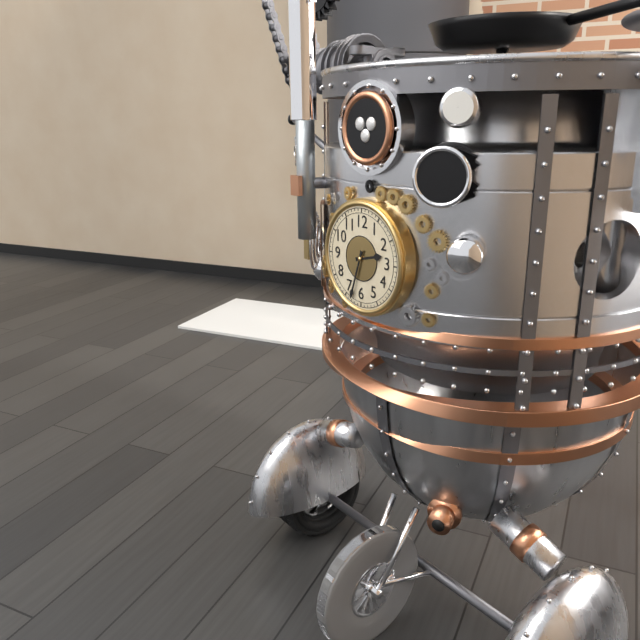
2:33
